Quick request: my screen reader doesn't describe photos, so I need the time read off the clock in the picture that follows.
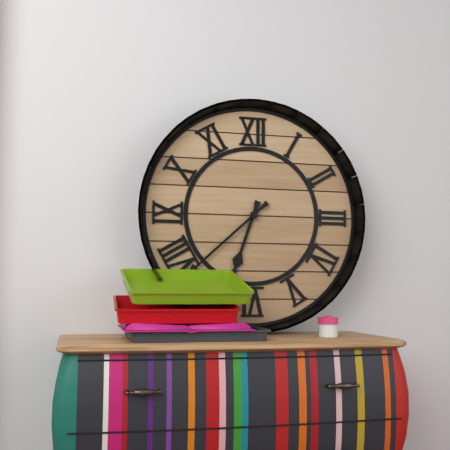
6:38
